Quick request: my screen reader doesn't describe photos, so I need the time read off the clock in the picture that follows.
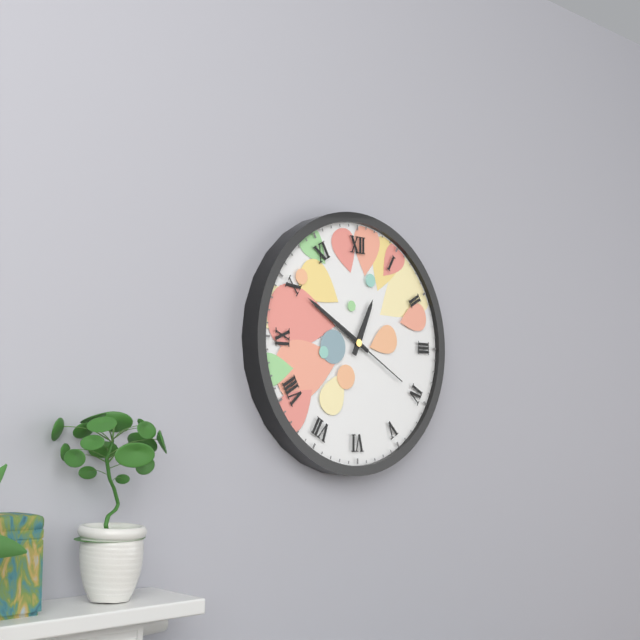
12:50:20
